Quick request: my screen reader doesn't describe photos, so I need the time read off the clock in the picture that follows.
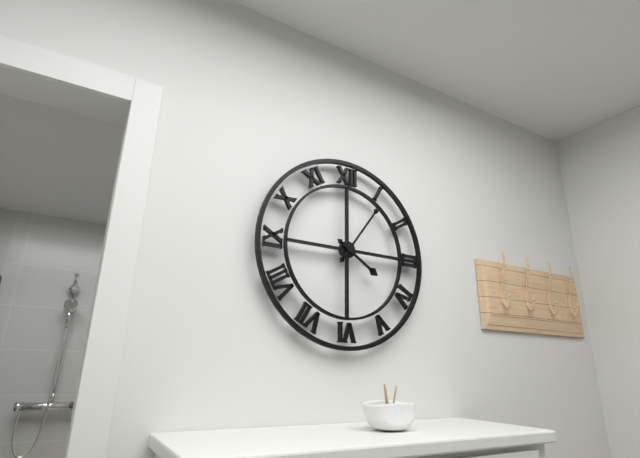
4:06
